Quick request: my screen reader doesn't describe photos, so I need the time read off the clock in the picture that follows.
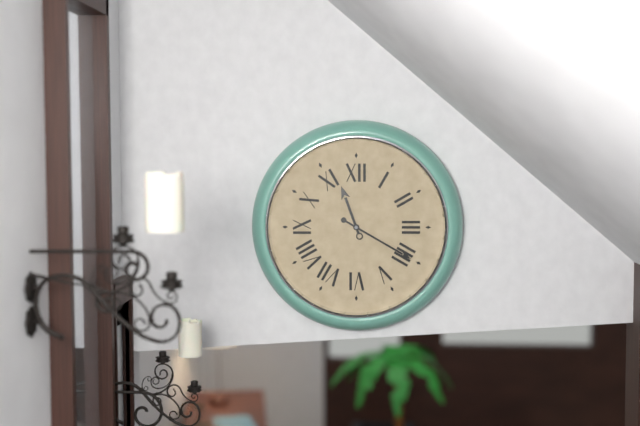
11:20
